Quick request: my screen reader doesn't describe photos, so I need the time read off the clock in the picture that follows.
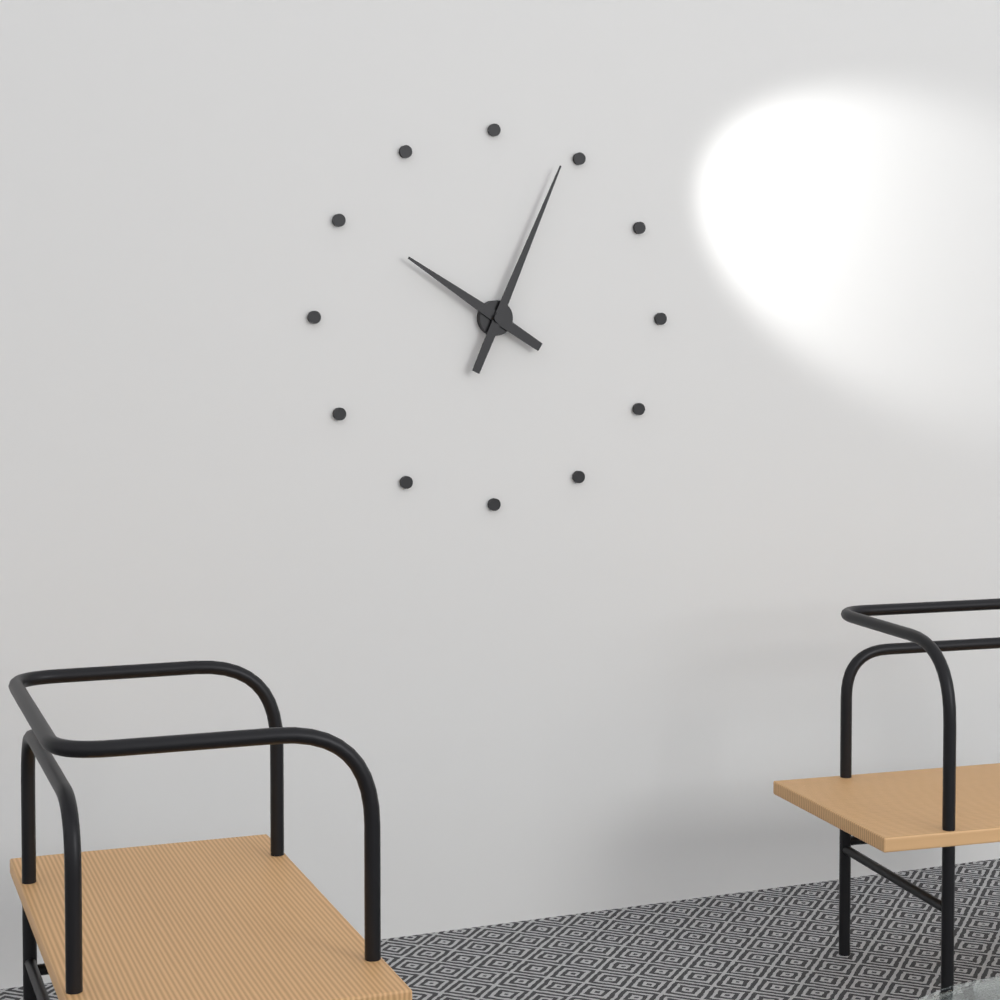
10:04
